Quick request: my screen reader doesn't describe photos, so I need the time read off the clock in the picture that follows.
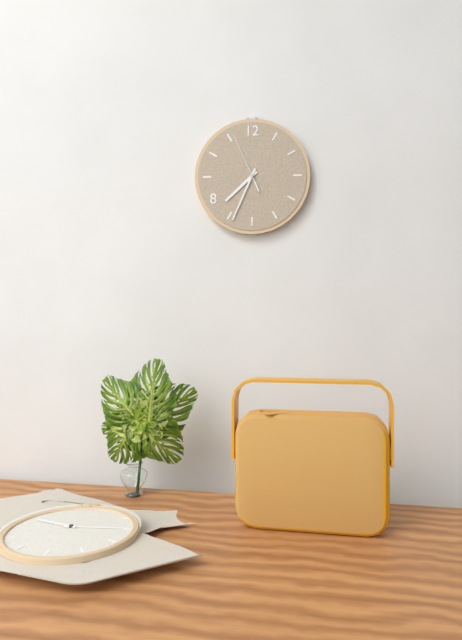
7:34:56
